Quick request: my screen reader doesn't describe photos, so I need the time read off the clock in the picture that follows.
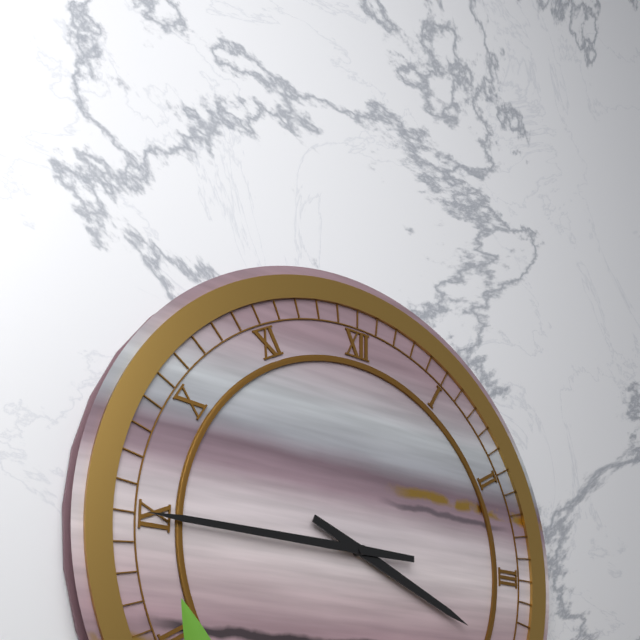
3:45
